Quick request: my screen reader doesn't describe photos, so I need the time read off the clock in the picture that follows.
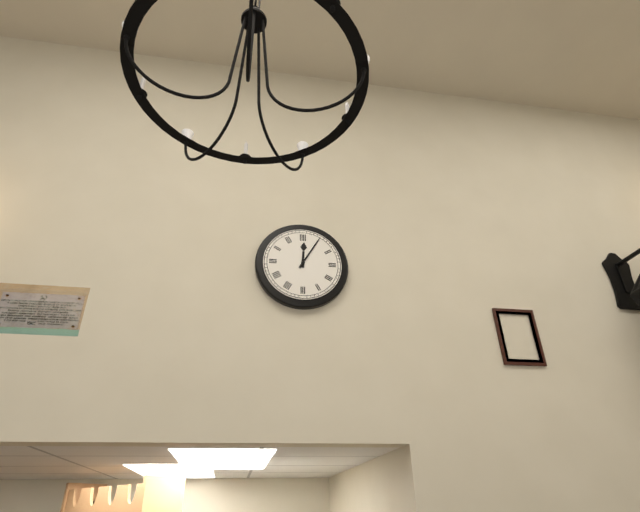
12:05
